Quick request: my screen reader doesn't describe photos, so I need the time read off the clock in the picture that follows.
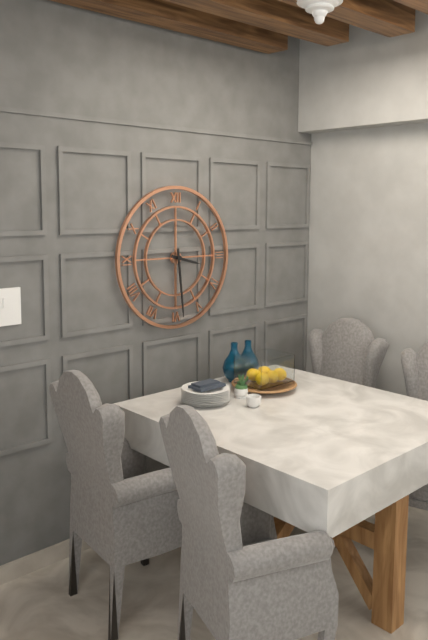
3:29
